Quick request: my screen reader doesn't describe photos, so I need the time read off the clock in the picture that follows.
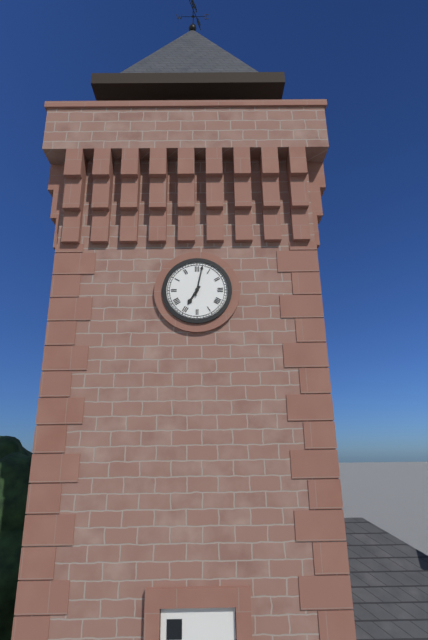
7:02
